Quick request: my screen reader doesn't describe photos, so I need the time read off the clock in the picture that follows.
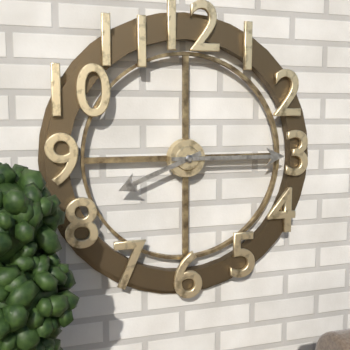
8:15
